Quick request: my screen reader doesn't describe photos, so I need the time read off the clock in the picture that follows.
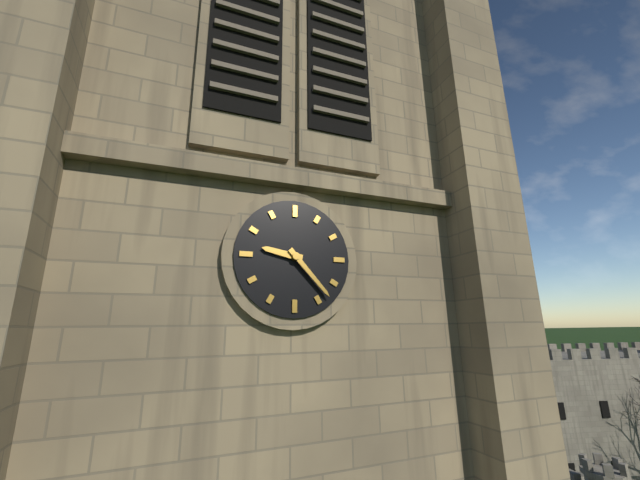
9:23
